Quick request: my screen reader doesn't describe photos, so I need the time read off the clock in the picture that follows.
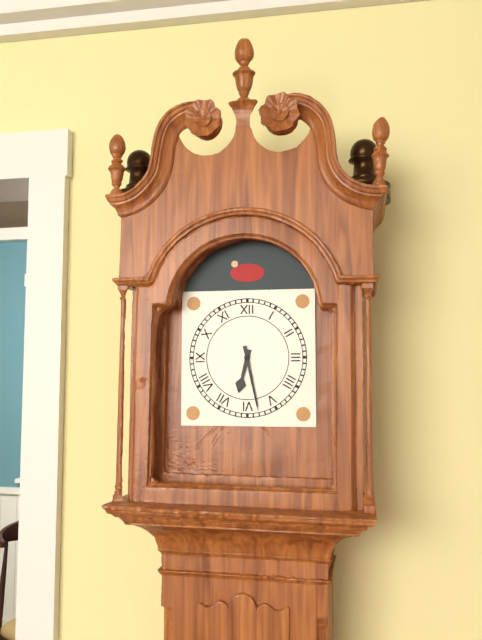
6:28
